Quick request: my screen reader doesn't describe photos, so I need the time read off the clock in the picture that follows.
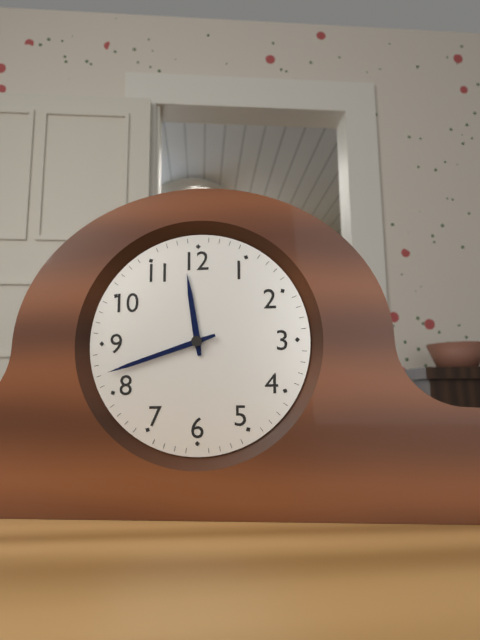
11:42
